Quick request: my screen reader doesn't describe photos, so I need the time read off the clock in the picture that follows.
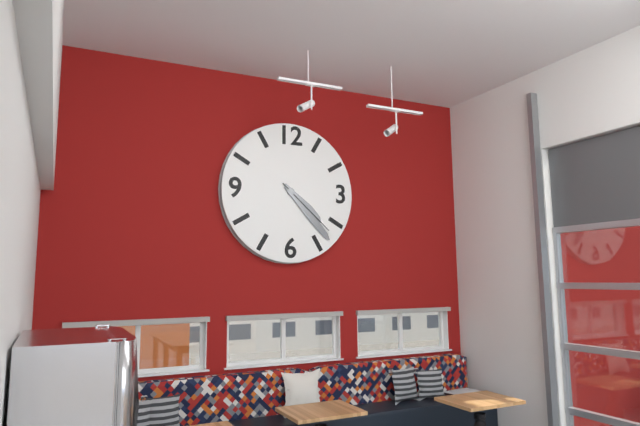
4:23:22
